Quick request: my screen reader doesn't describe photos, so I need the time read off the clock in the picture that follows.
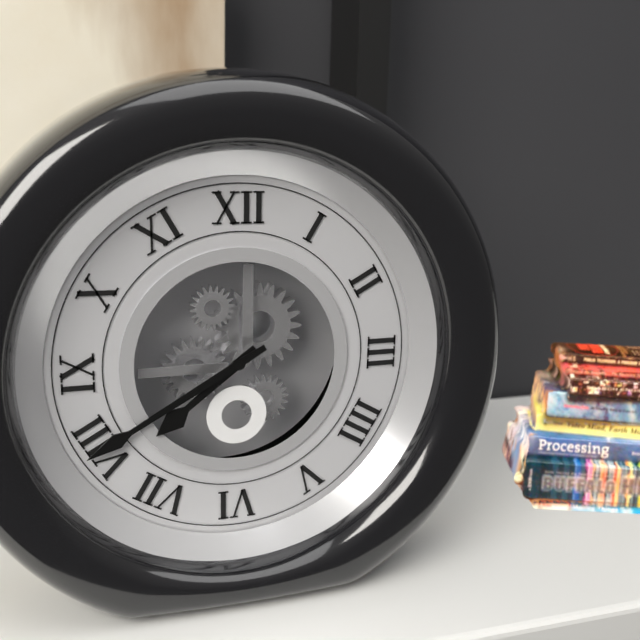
7:40
